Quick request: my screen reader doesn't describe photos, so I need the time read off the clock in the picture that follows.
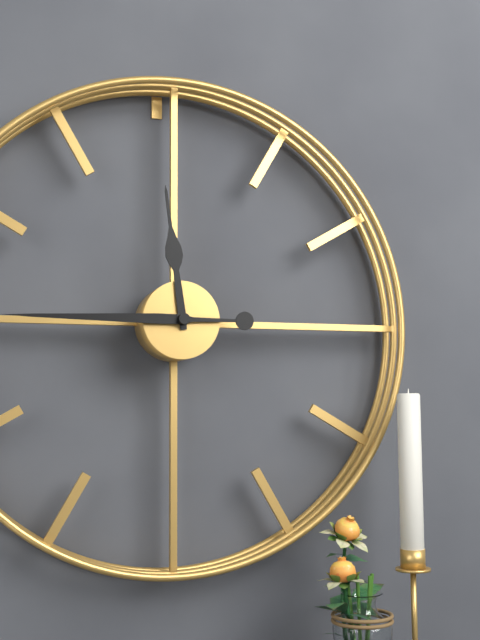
11:45
